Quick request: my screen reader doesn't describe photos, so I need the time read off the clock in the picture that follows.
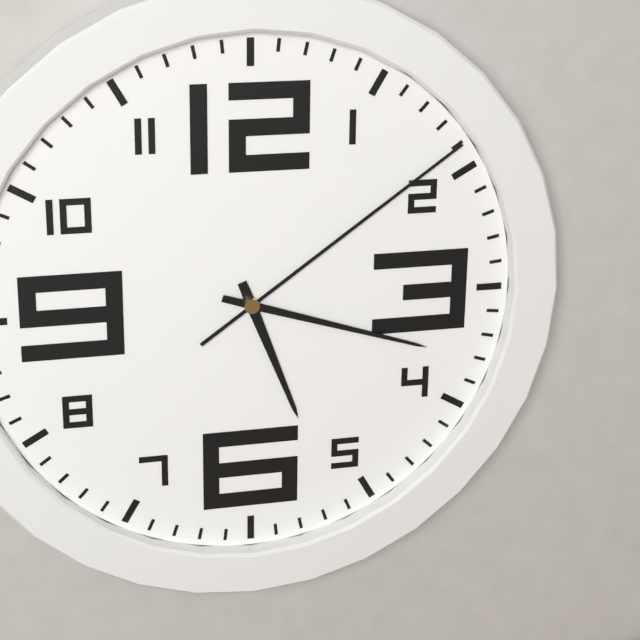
5:18:09
